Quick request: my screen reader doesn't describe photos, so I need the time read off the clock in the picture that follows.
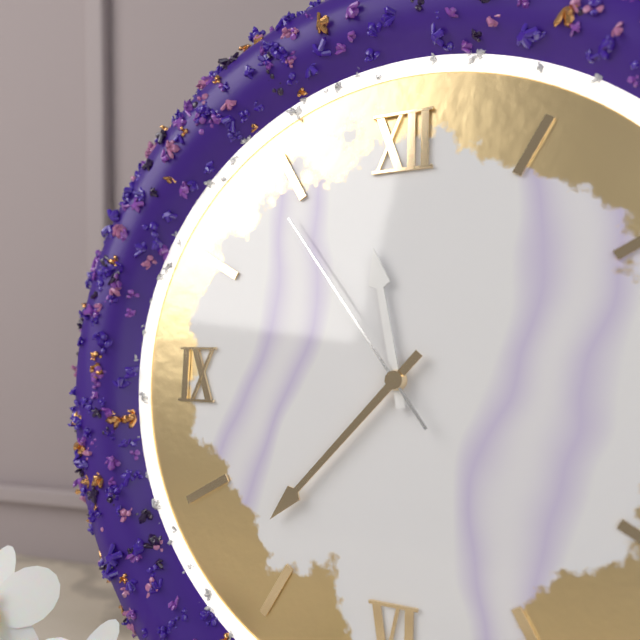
11:37:54
